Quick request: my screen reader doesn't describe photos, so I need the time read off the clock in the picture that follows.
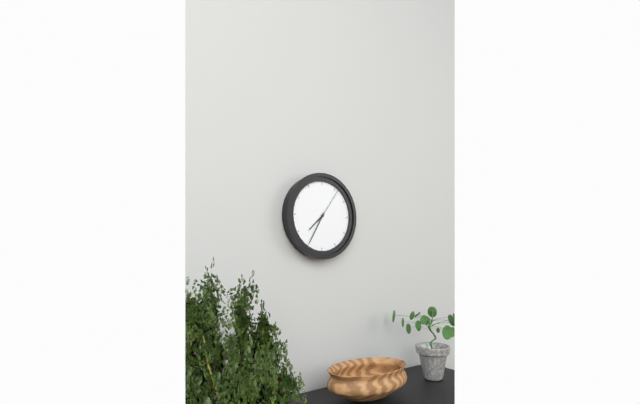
7:35
